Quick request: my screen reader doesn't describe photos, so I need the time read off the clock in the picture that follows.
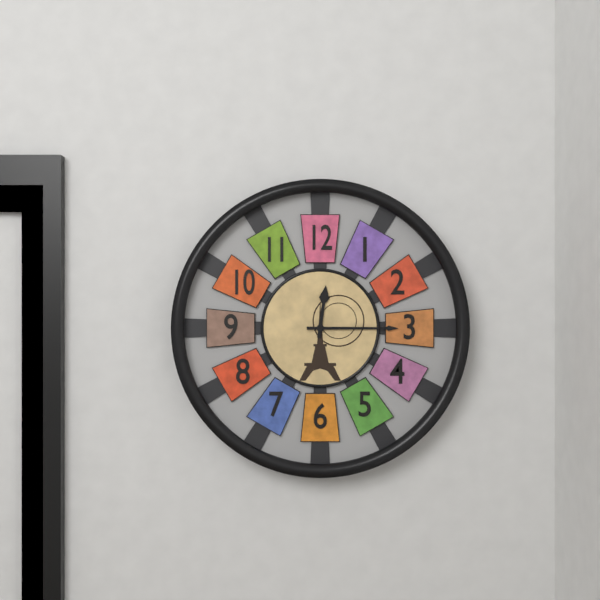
12:15
